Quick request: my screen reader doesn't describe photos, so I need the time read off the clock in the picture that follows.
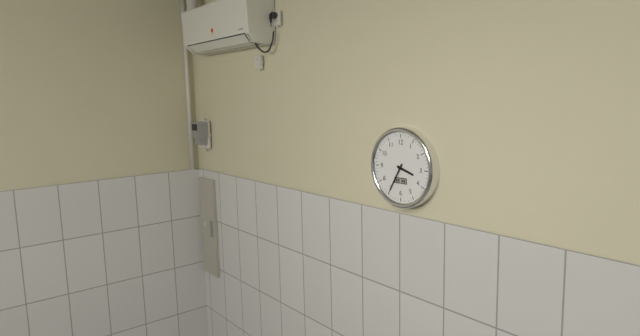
3:35
